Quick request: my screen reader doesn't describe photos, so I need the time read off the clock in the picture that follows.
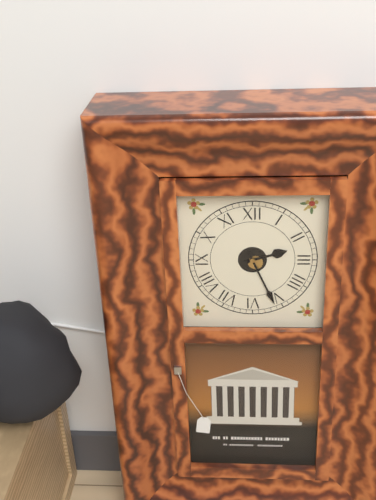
2:26
